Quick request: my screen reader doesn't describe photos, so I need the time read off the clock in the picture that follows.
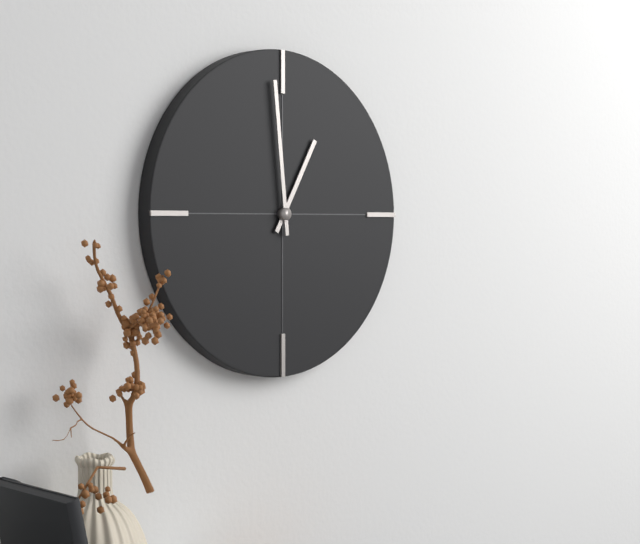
12:59
